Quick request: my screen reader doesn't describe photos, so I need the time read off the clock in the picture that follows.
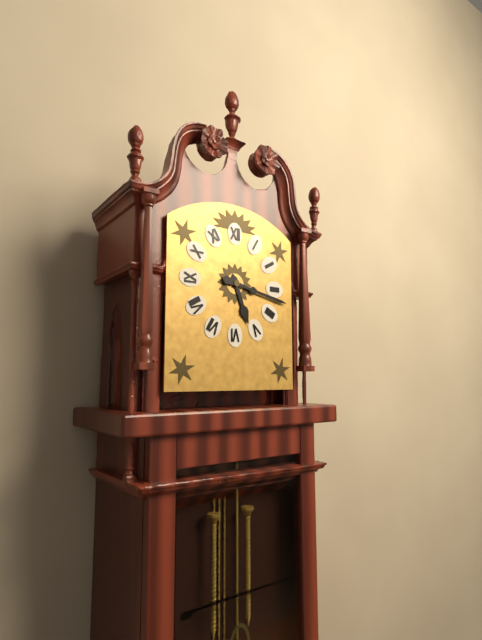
5:17
